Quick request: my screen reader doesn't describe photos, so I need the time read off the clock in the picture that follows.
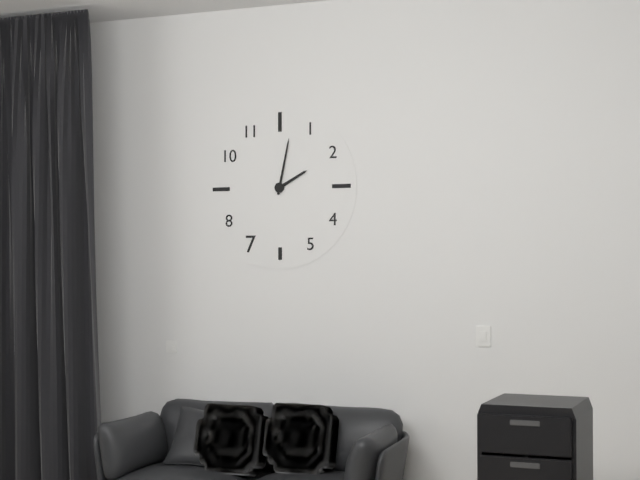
2:02
